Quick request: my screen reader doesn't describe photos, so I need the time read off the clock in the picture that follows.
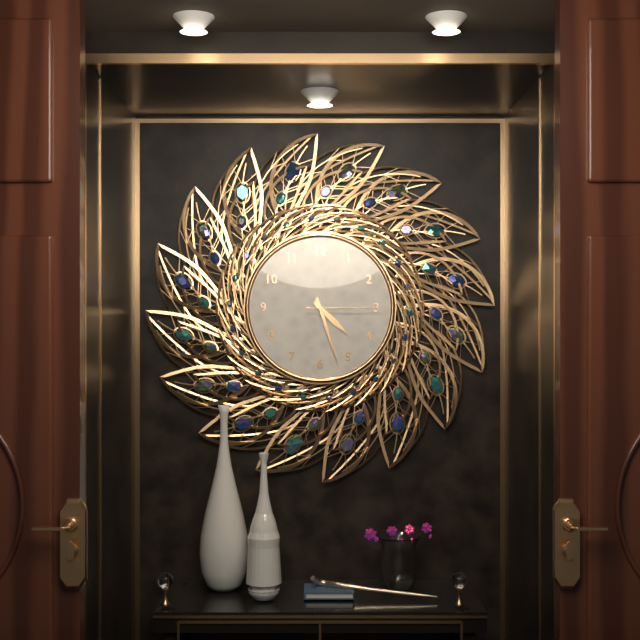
4:27:15
